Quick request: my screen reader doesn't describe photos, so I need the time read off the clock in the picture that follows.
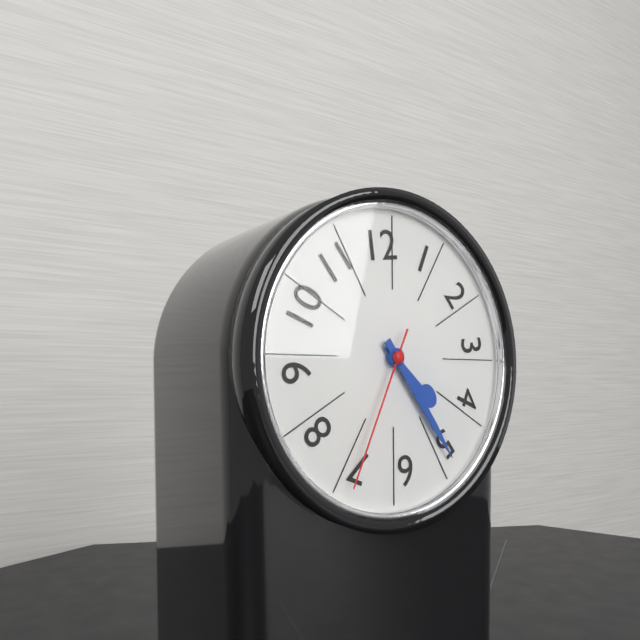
4:24:34
